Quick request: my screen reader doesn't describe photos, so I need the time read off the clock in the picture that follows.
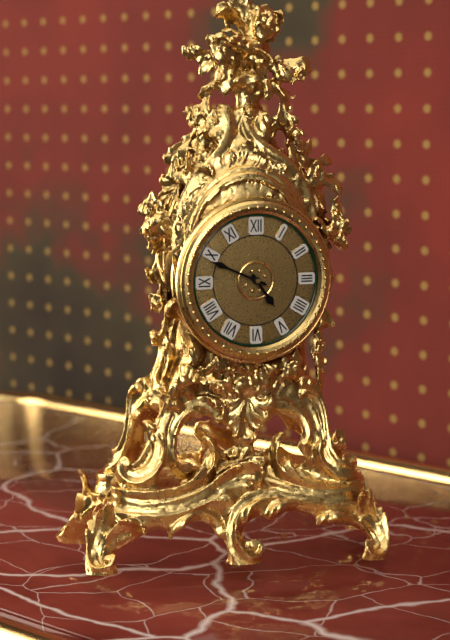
4:49
